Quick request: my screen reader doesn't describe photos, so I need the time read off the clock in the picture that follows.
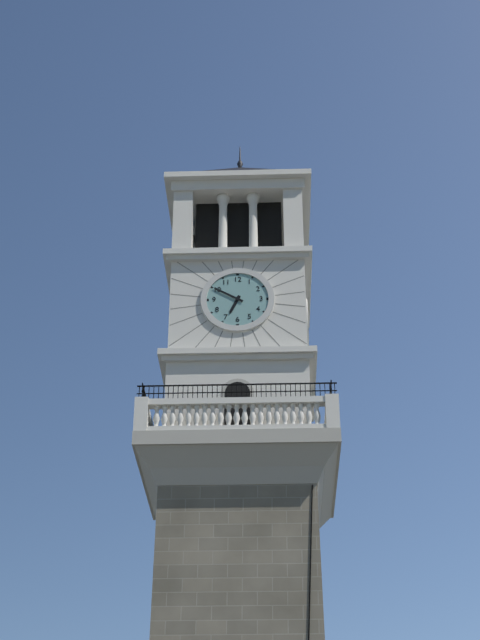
6:50
